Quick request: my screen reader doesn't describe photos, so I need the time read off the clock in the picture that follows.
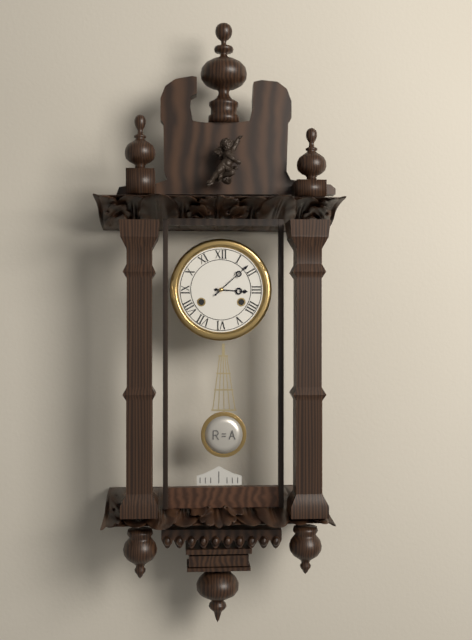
3:08
